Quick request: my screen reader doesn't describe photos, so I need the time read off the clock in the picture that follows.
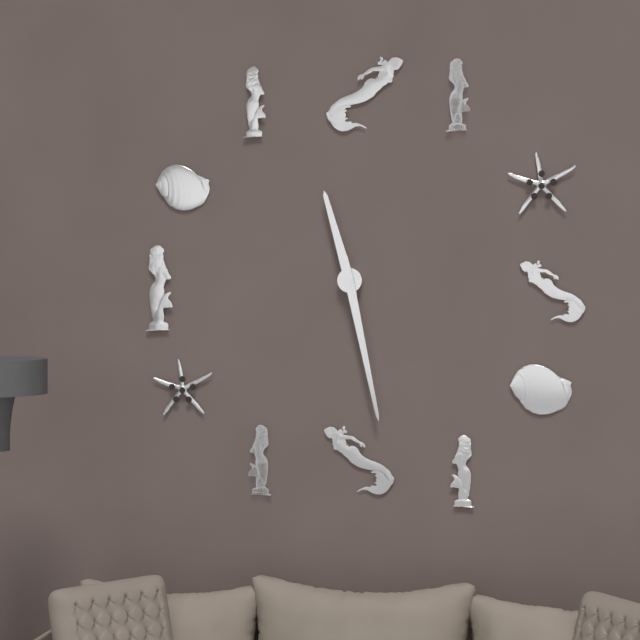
11:28
